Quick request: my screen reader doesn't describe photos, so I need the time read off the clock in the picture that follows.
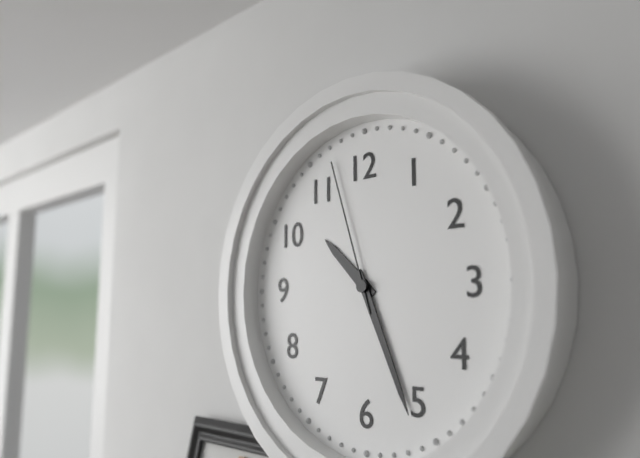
10:26:57
